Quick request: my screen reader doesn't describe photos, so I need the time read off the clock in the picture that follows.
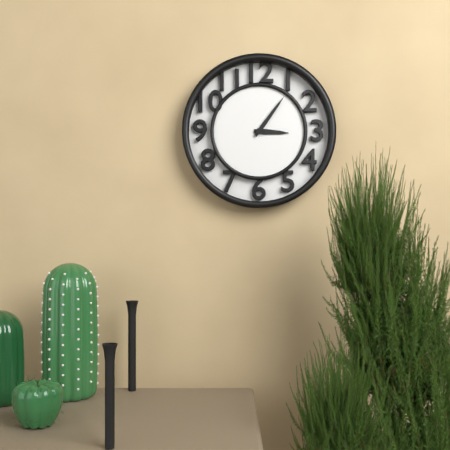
3:06
